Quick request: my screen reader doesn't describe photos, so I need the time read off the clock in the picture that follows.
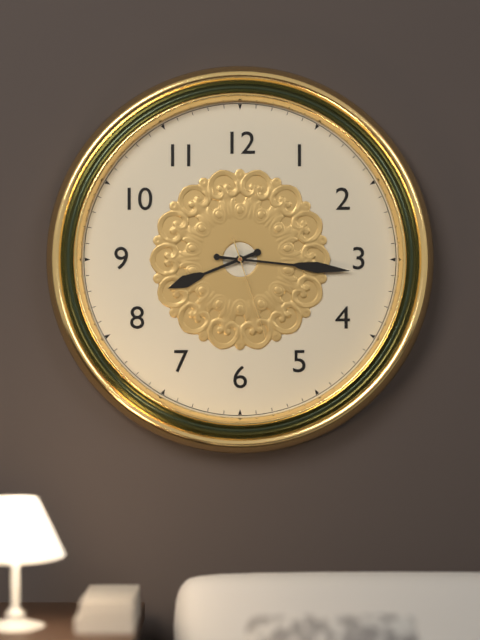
8:16:27
